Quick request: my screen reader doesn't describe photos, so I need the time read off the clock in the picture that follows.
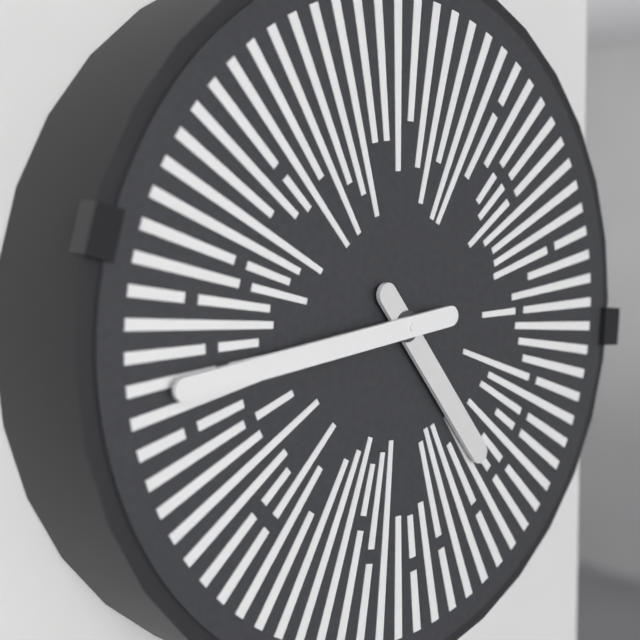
4:44
